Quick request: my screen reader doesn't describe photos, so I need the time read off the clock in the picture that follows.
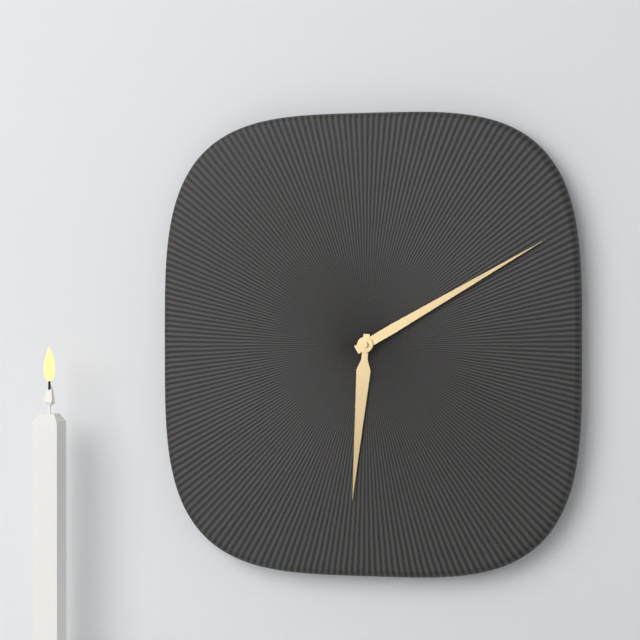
6:10
